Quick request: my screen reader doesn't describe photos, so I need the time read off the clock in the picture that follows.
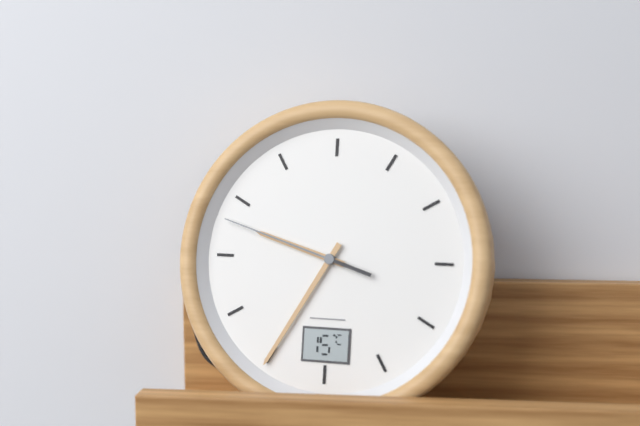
9:35:48
